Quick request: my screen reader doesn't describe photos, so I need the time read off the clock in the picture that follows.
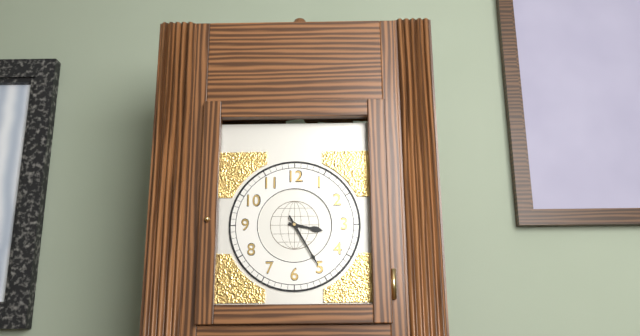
3:25
